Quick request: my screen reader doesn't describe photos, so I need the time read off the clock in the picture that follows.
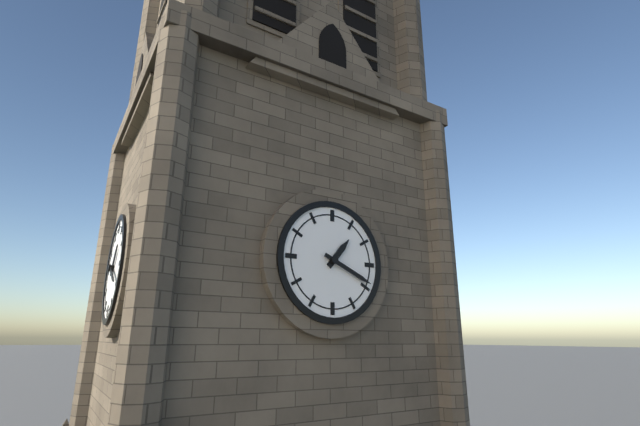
1:19
